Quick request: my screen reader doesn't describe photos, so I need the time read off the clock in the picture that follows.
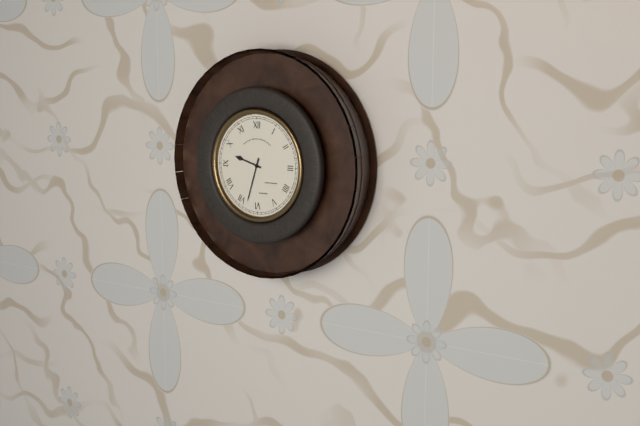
9:33
